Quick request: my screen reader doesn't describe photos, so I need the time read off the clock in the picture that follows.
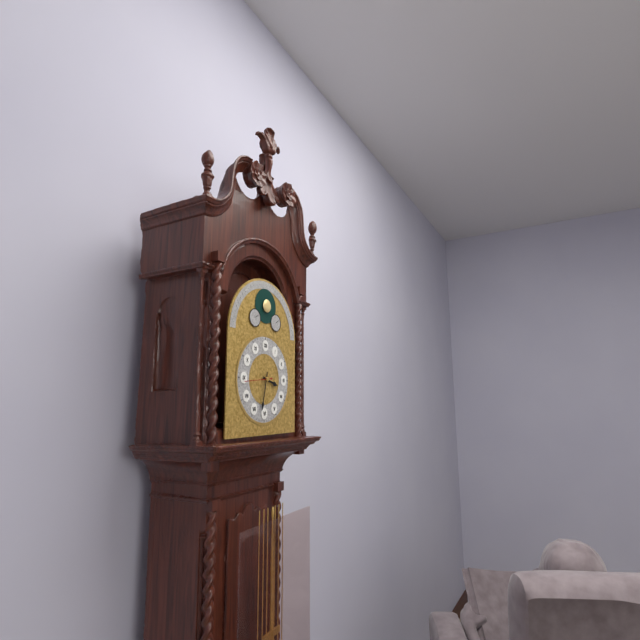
3:32
